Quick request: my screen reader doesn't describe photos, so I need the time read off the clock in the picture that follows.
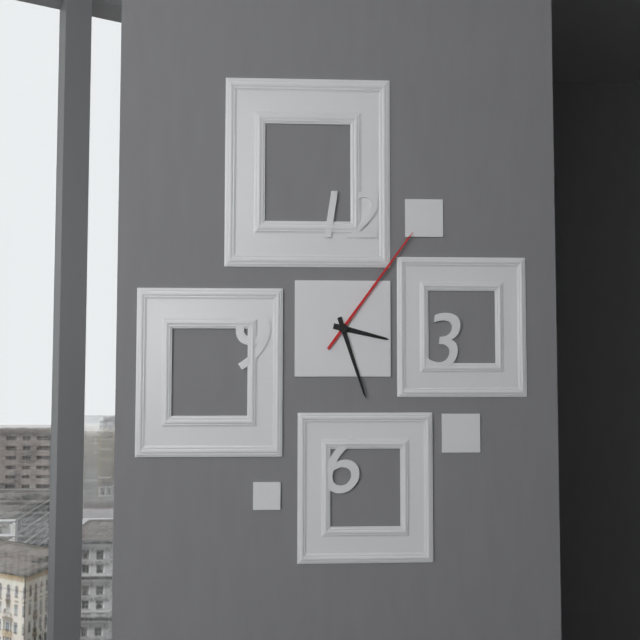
3:27:06
